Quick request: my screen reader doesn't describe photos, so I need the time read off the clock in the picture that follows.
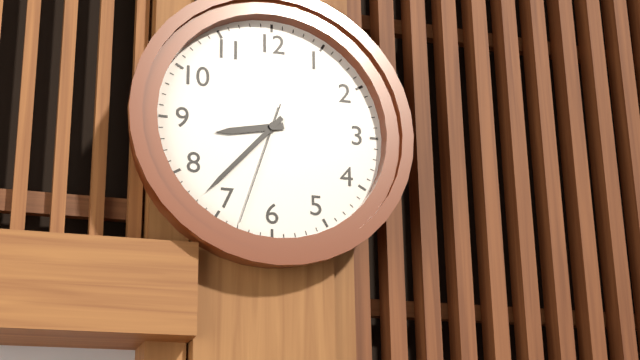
8:37:33
